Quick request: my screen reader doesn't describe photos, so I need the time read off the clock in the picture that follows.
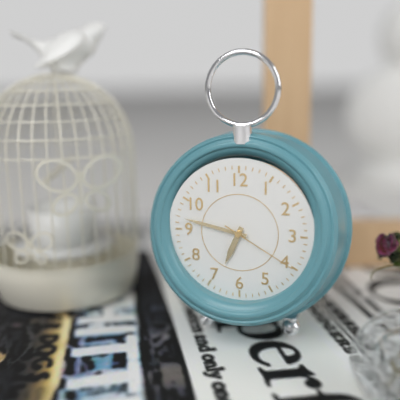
6:47:20
